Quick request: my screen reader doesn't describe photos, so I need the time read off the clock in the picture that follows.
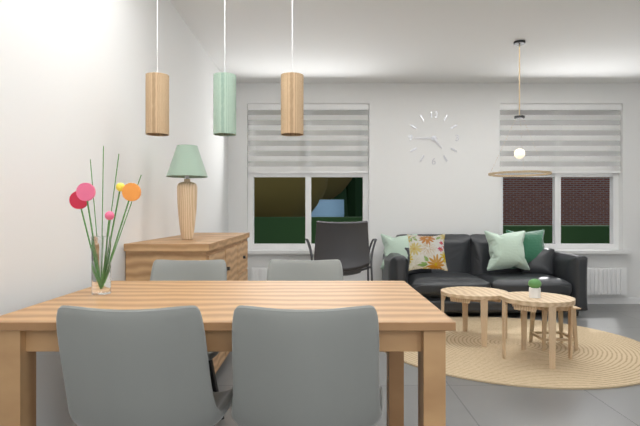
4:45
